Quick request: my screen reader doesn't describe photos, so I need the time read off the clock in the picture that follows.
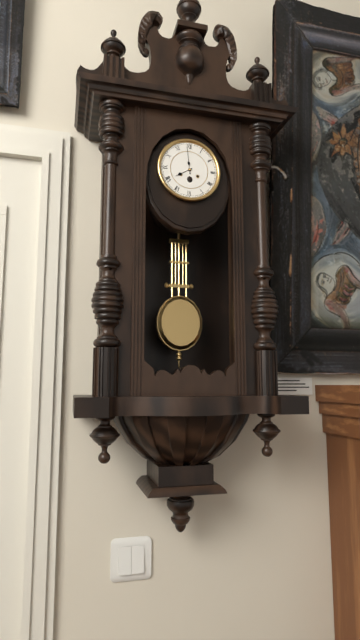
7:59
